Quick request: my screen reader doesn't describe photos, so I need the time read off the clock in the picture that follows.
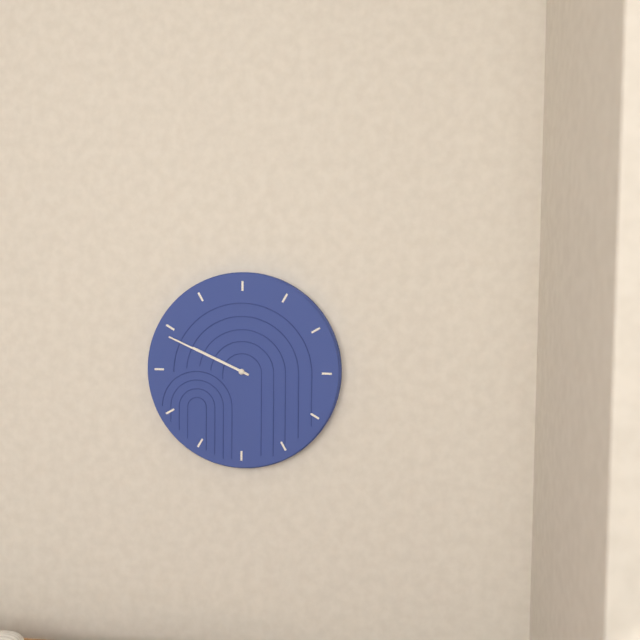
9:49
